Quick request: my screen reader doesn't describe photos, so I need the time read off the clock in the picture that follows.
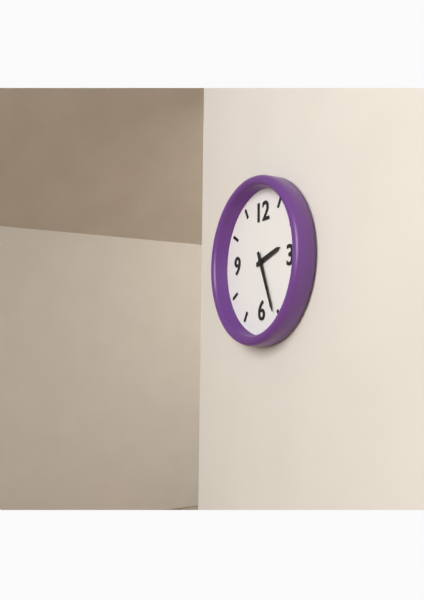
2:26
